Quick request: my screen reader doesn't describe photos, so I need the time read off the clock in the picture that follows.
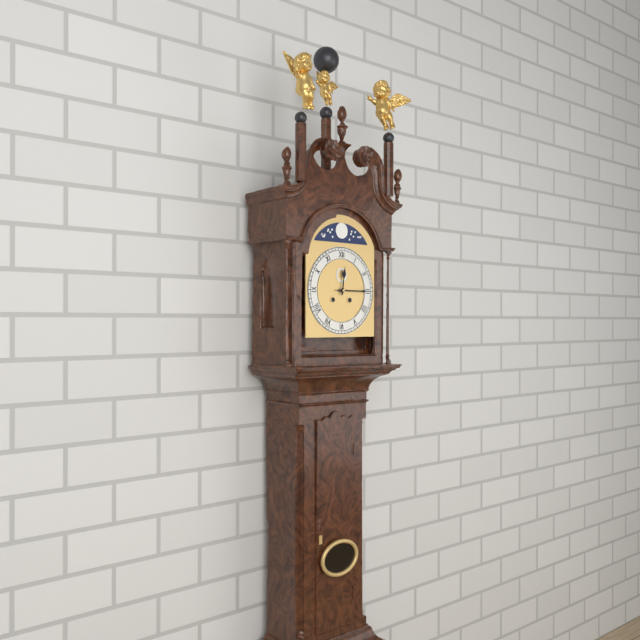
12:15
